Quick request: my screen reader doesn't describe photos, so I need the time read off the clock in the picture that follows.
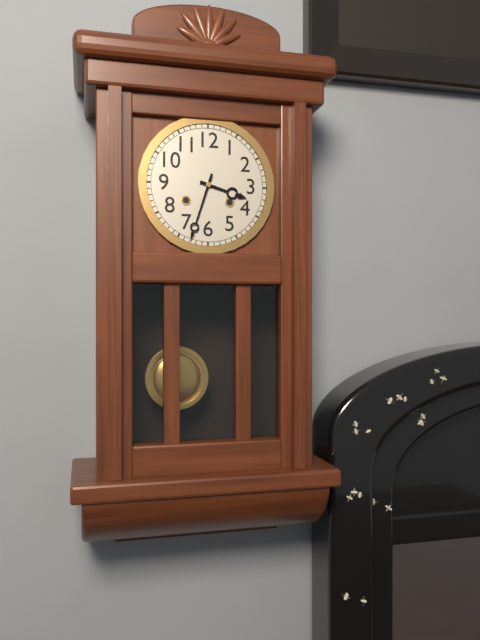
3:33
